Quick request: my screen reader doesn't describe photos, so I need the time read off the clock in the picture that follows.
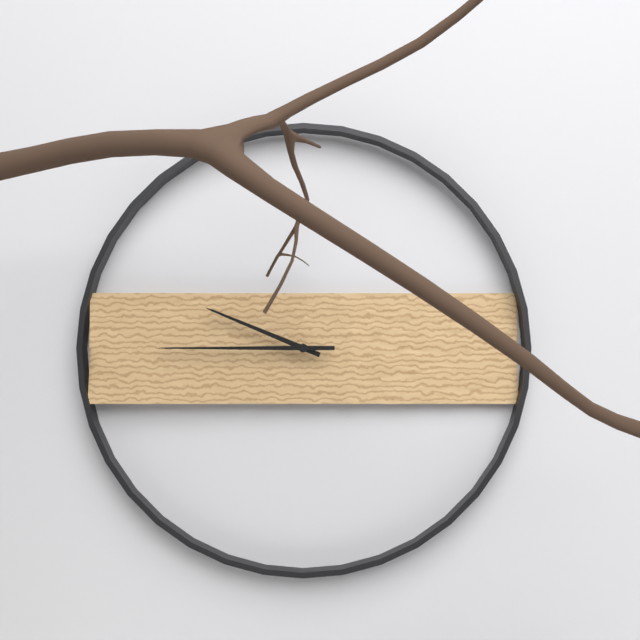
9:45
